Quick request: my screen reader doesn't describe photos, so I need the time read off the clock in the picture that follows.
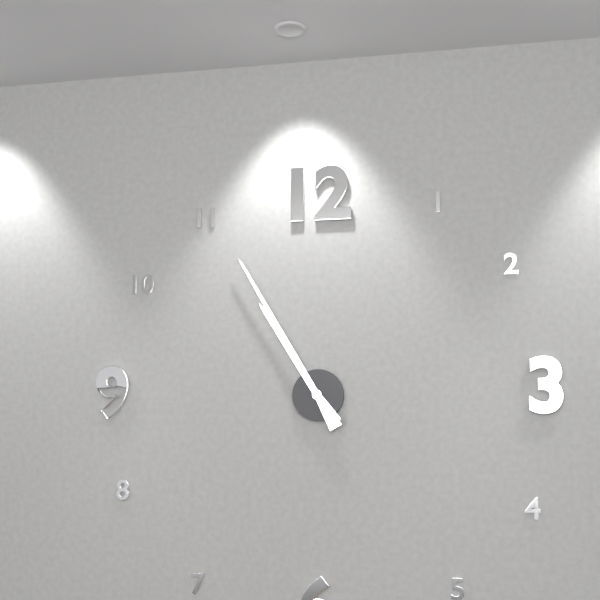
10:55
